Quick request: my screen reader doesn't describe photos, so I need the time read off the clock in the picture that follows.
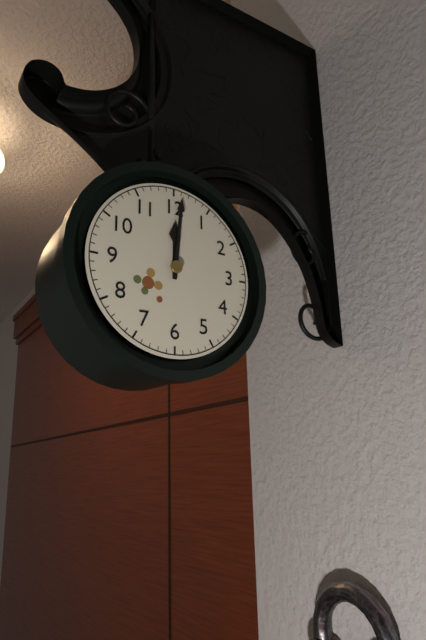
12:01
